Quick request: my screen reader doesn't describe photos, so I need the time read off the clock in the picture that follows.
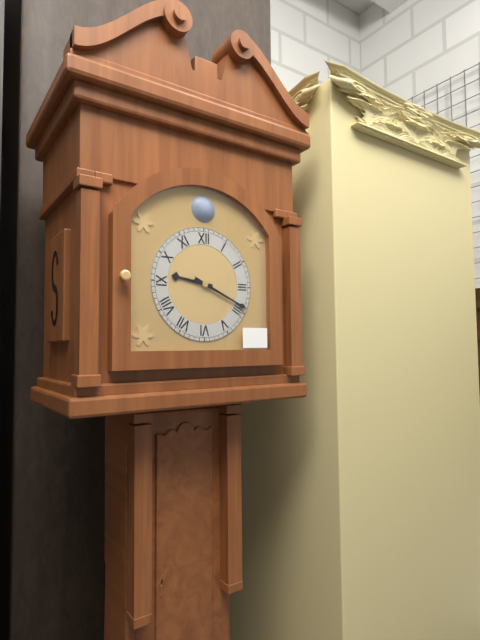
9:19
